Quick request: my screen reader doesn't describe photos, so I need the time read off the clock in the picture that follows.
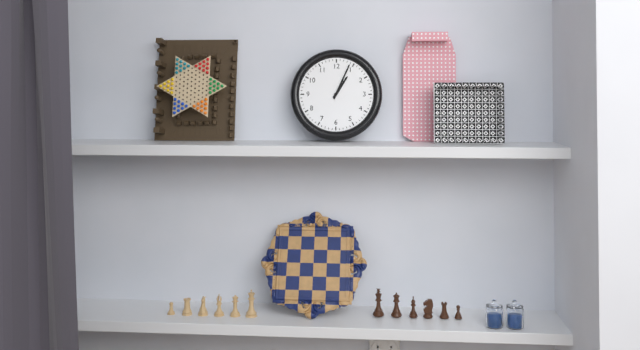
1:04
